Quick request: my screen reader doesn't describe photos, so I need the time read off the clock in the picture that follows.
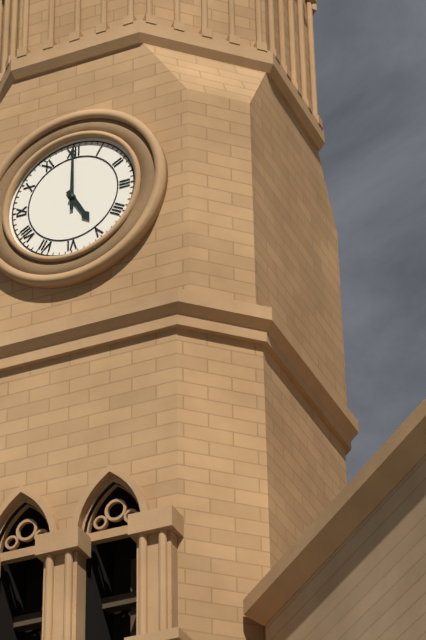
5:00
